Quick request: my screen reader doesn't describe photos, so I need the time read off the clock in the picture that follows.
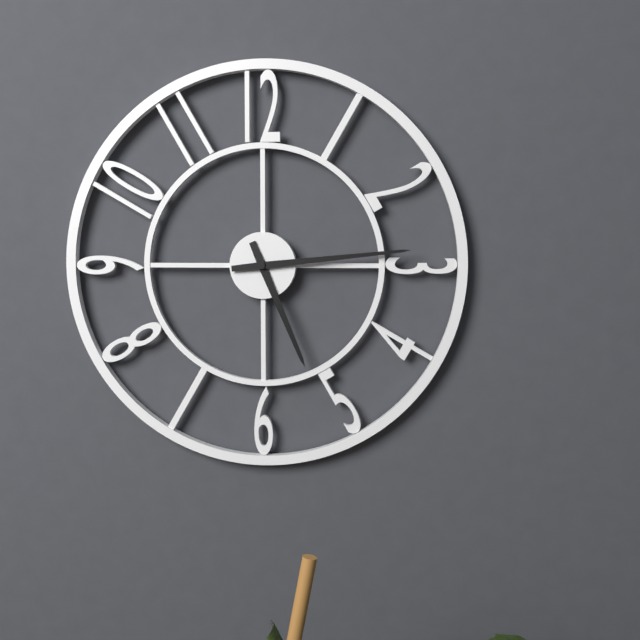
5:14
